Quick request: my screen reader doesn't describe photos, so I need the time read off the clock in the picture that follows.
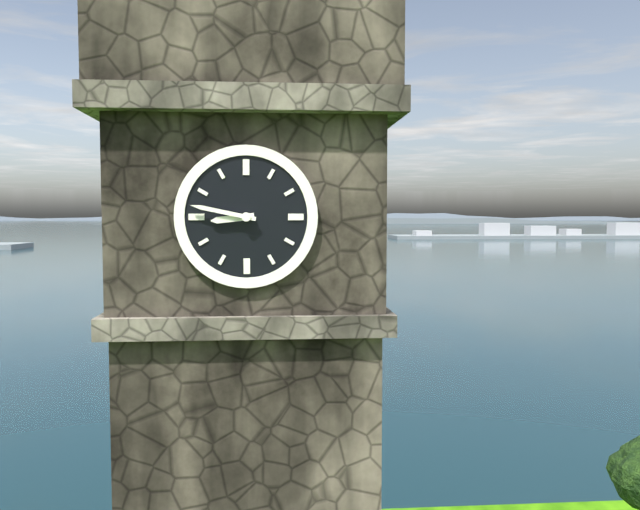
8:47
